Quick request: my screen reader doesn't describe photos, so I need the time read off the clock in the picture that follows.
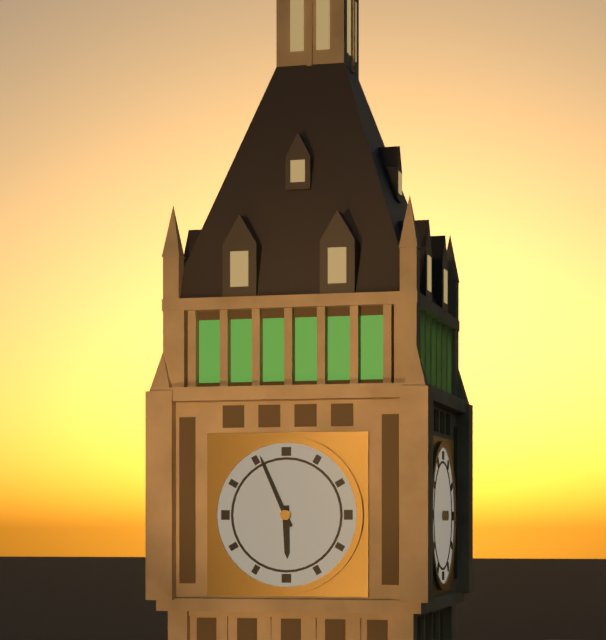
5:56
